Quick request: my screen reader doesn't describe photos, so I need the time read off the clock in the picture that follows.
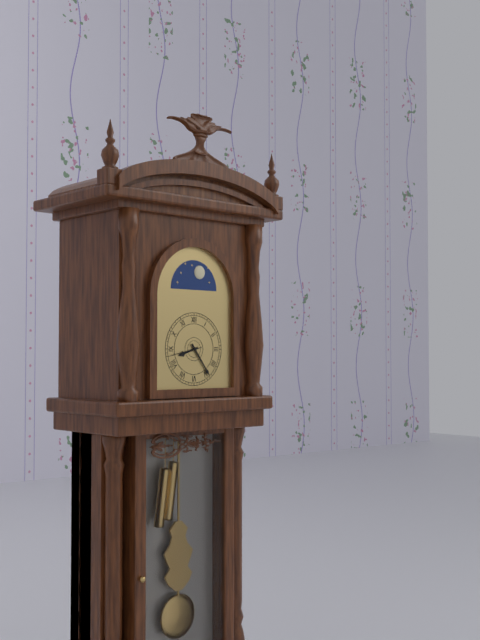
8:24
